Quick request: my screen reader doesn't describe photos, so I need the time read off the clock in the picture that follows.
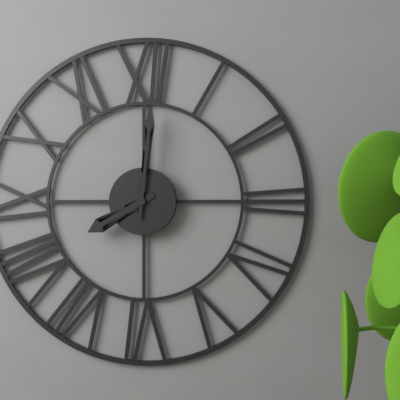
8:01
